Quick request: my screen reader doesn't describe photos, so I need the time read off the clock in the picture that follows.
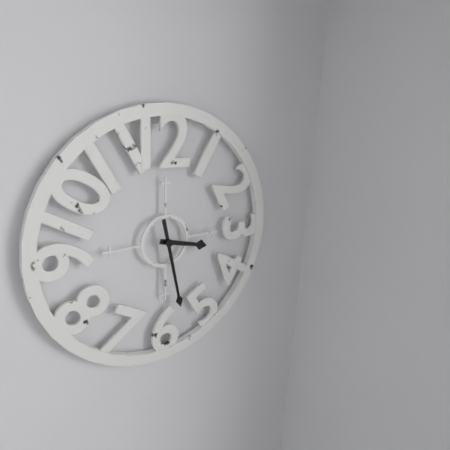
3:28
